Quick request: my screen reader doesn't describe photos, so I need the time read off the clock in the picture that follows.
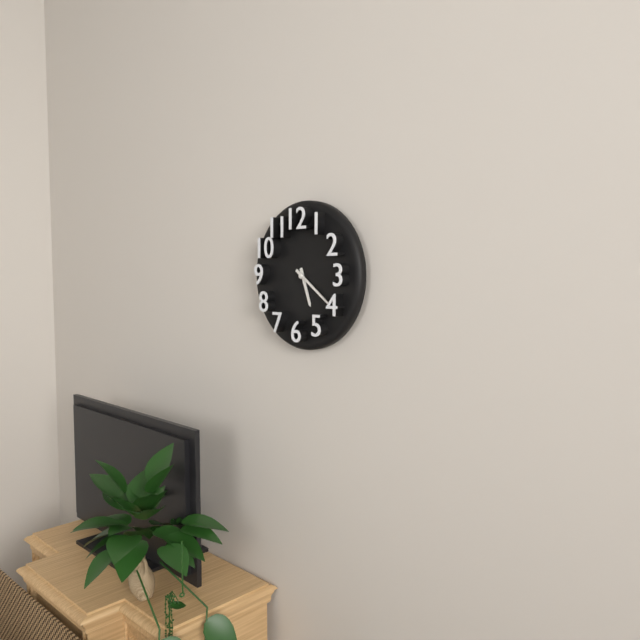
5:21
